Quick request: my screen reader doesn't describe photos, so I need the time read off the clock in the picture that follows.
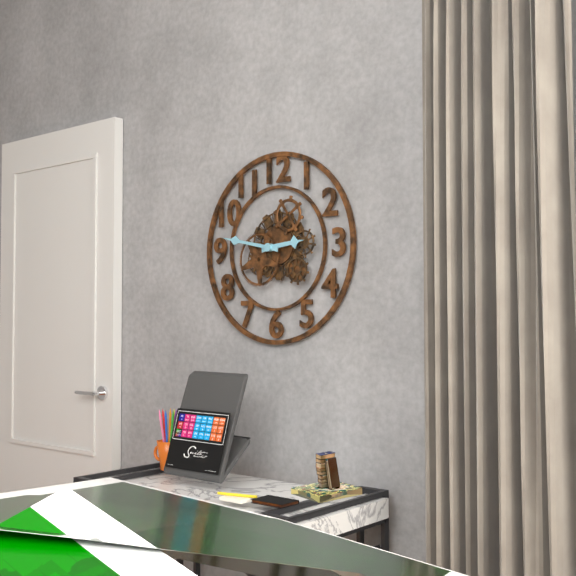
2:47
